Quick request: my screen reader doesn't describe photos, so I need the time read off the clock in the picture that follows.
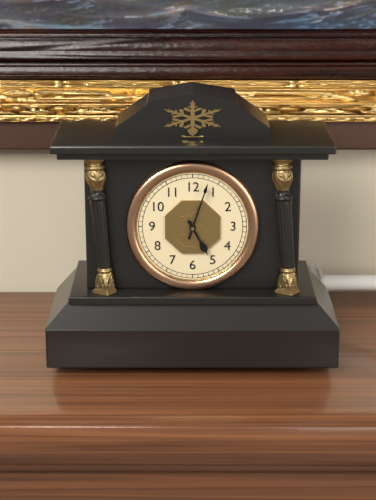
5:03
